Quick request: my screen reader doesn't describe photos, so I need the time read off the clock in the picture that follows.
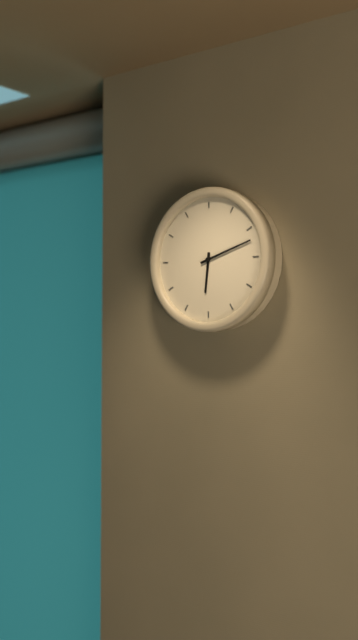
6:12
